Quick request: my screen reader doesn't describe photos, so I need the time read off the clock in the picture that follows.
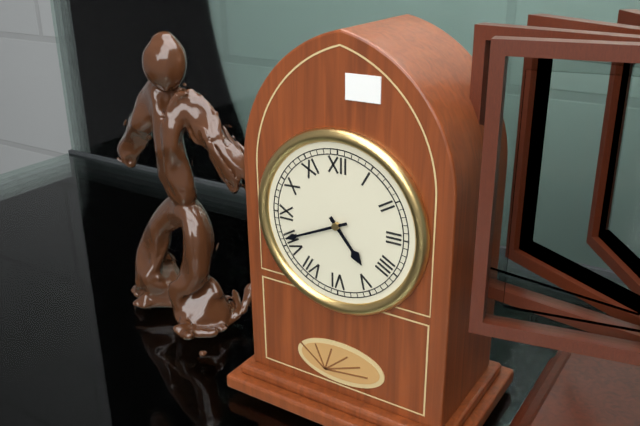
4:41
